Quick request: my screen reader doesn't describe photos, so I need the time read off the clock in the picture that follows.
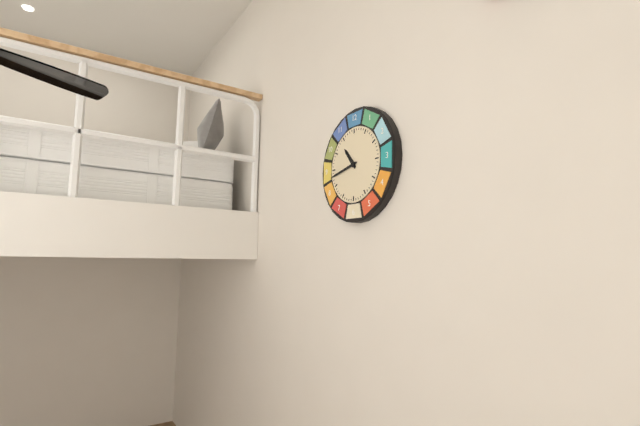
10:43
